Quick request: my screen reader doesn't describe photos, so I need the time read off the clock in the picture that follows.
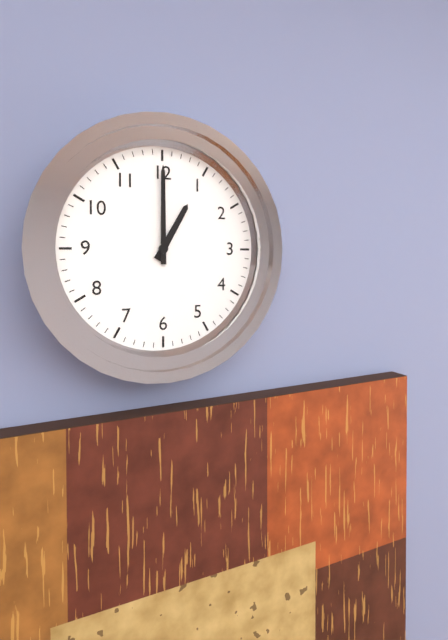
1:00
